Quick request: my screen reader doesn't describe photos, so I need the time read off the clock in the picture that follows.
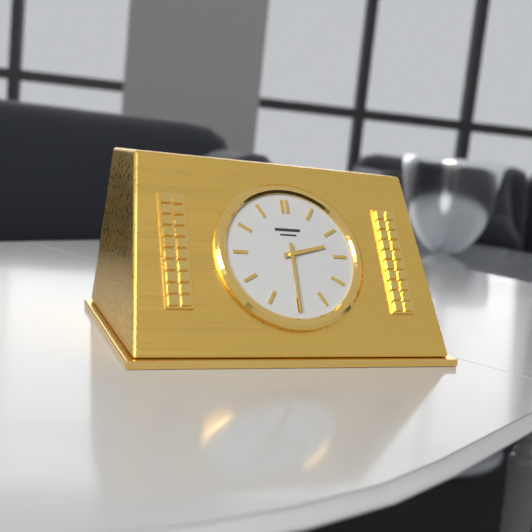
2:30
